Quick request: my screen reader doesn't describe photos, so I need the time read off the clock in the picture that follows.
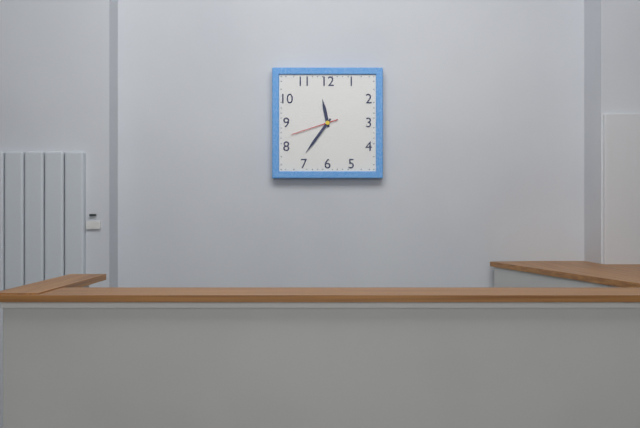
11:36
